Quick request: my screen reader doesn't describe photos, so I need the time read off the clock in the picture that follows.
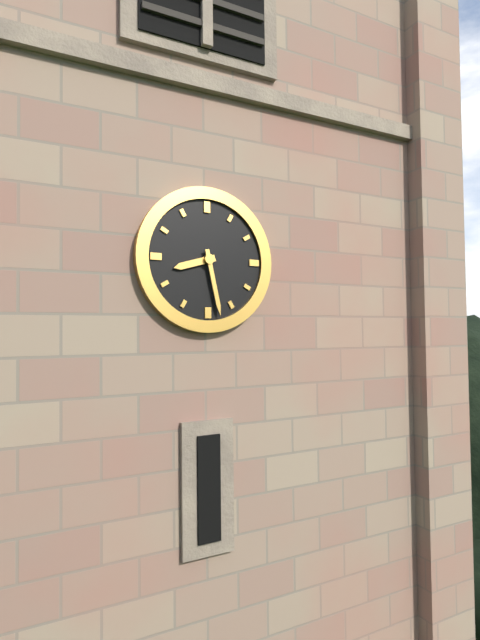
8:28
